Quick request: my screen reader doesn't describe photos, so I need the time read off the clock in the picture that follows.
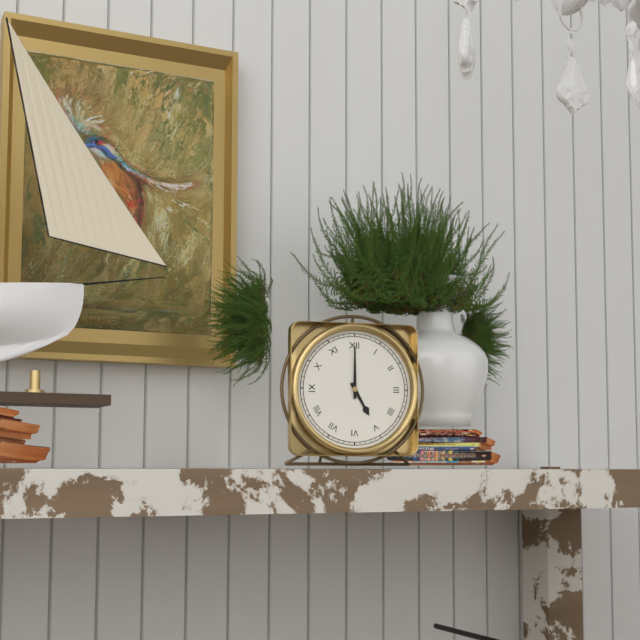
5:00
